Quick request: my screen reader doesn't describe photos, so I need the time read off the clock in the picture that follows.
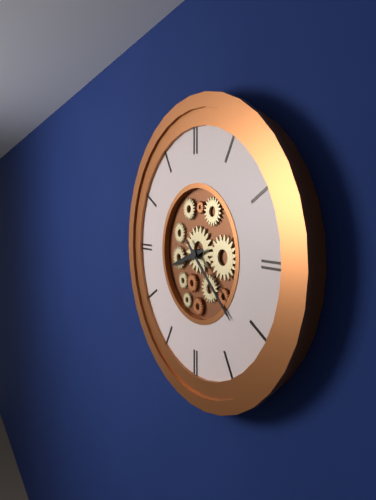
8:22
